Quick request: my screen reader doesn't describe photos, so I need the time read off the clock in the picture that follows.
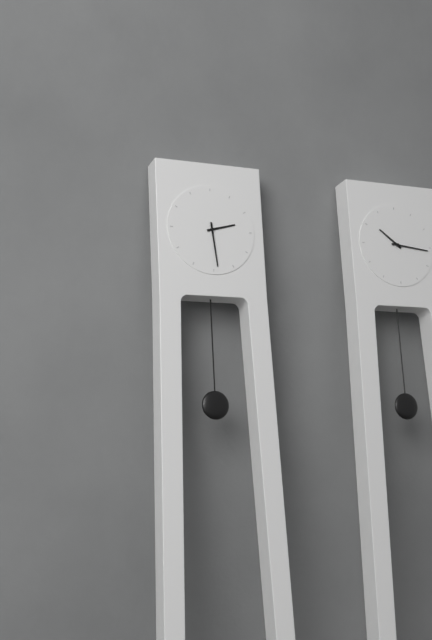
2:29
